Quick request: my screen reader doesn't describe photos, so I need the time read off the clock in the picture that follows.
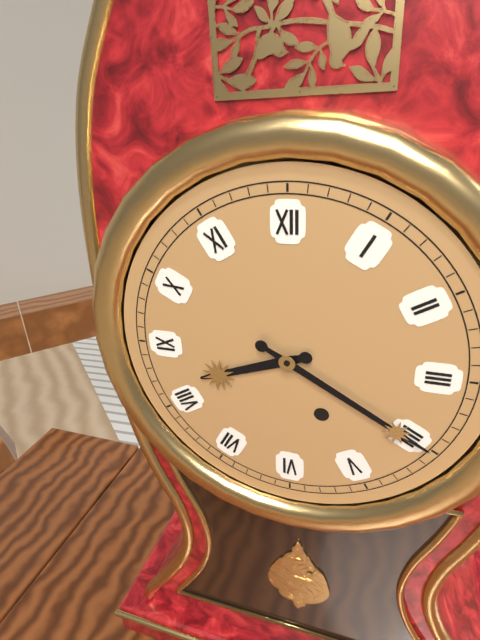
8:20
